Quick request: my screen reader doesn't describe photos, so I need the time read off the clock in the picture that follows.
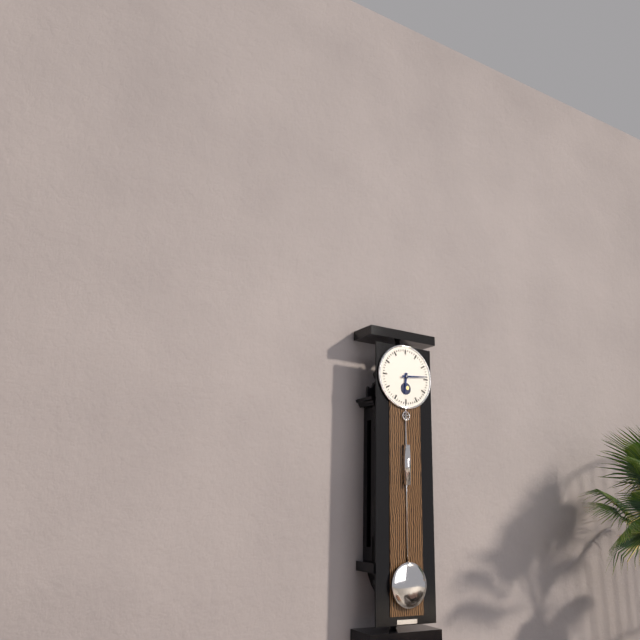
6:14
